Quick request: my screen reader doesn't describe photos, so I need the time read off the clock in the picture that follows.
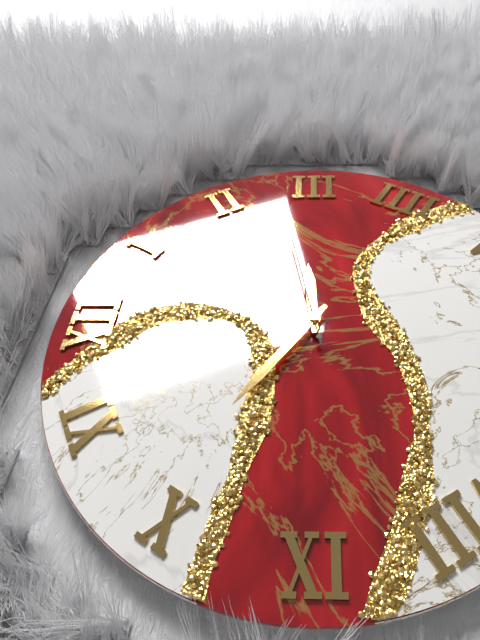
2:51:13
